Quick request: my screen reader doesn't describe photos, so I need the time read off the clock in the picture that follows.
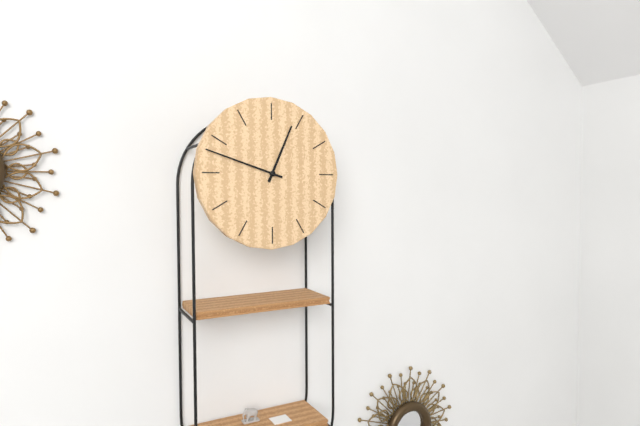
12:48
